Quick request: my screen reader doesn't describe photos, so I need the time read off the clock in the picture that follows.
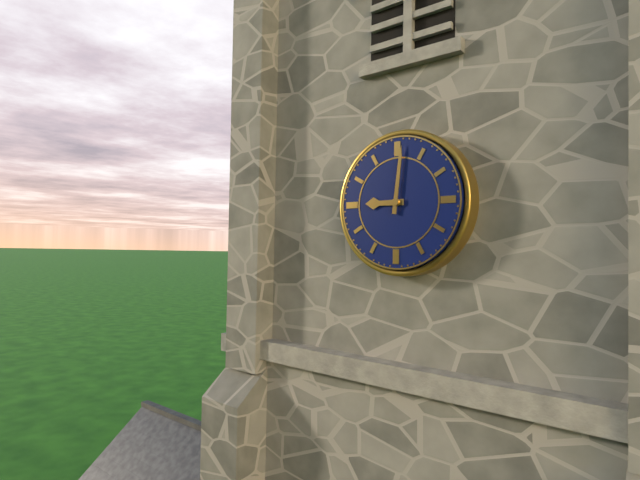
9:01
